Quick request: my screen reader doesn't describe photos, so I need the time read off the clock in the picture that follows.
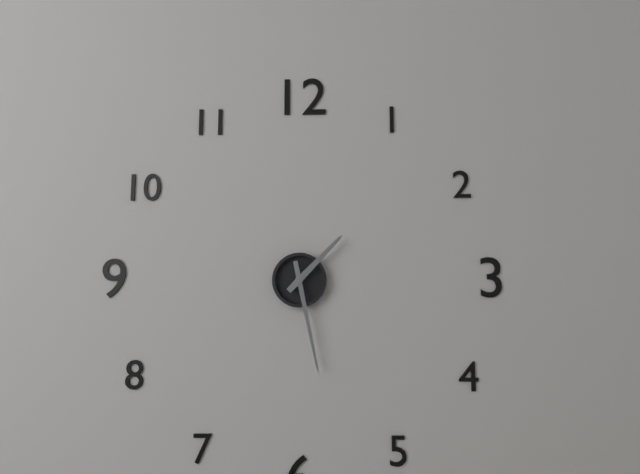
1:28
